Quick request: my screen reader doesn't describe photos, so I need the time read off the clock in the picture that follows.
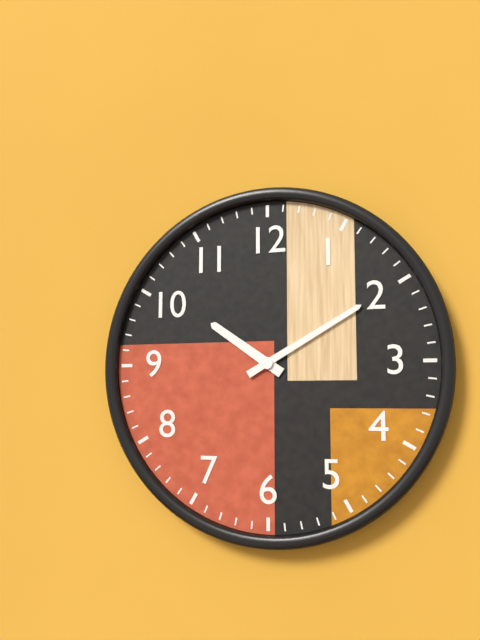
10:10
